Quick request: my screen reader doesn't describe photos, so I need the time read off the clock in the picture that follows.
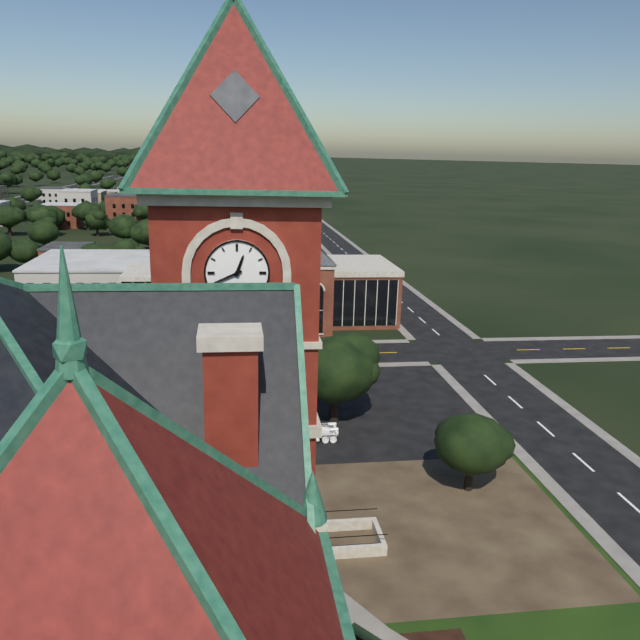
12:41
